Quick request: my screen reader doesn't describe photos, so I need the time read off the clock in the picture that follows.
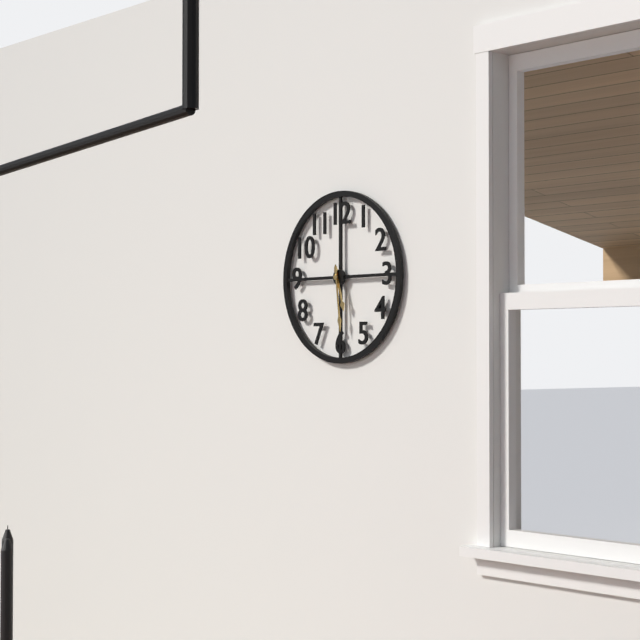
5:29
